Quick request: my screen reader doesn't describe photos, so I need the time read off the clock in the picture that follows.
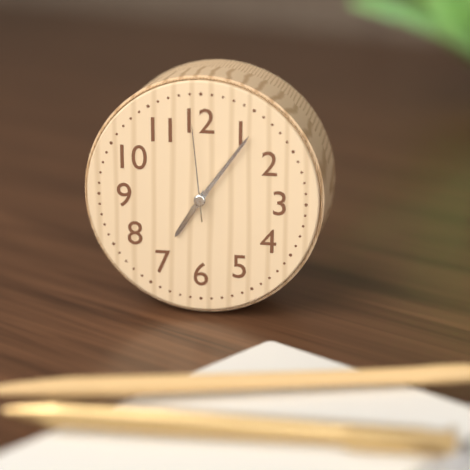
7:06:59
